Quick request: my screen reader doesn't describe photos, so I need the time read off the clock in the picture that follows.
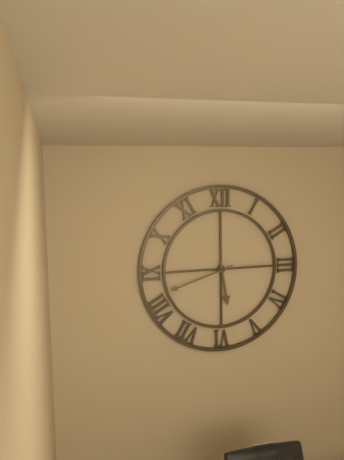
5:42
